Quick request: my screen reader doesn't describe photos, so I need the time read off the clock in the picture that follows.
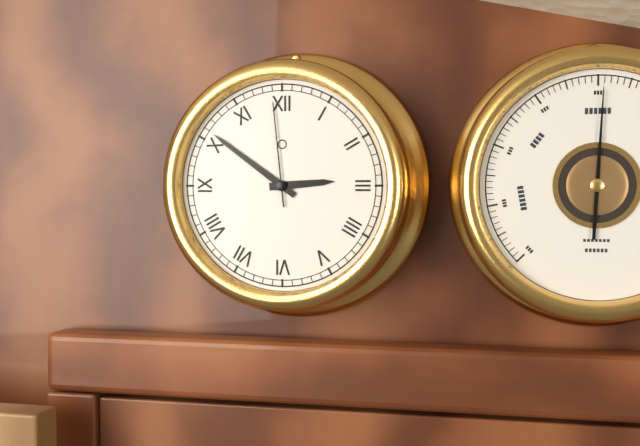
2:51:59
